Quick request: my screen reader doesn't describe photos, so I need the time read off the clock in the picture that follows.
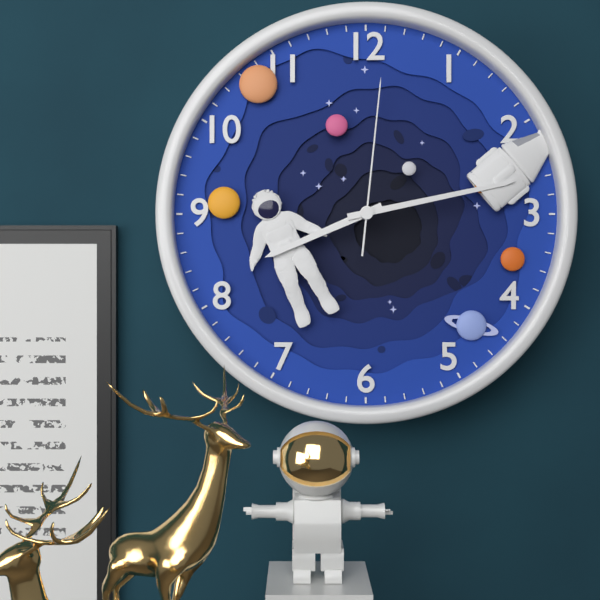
8:13:01
